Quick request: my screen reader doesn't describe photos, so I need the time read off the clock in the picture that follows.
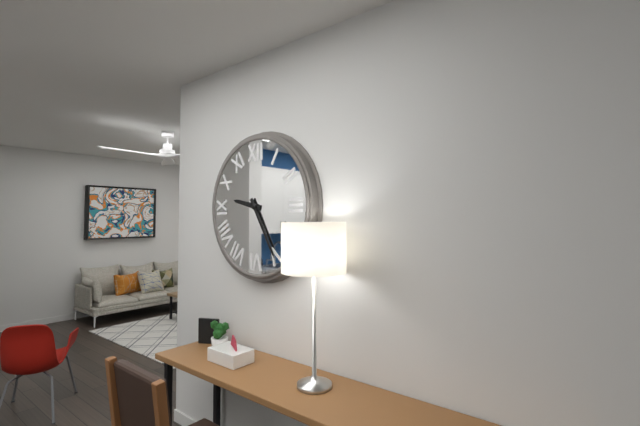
9:25
